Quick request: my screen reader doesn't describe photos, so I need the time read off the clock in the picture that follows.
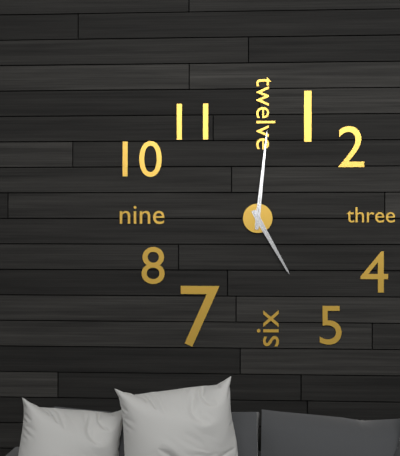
5:01
